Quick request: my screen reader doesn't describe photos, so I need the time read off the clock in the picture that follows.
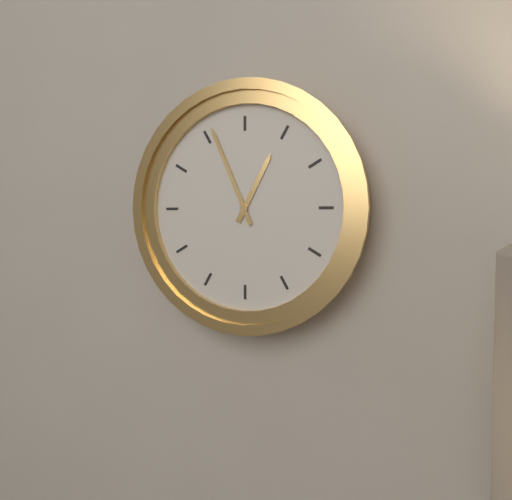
12:56
